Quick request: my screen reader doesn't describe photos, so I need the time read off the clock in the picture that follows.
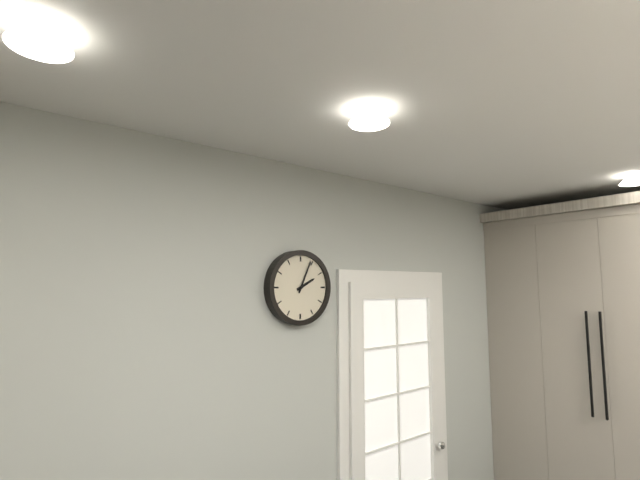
2:04
